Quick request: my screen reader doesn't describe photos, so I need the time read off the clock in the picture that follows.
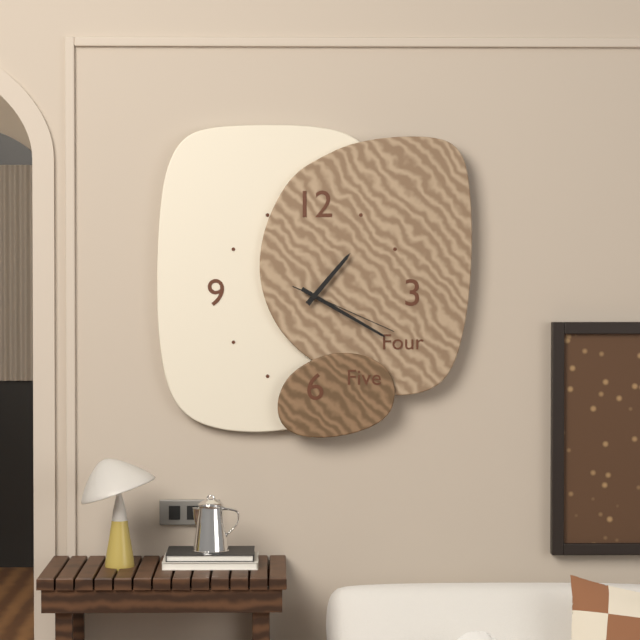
1:20:19
